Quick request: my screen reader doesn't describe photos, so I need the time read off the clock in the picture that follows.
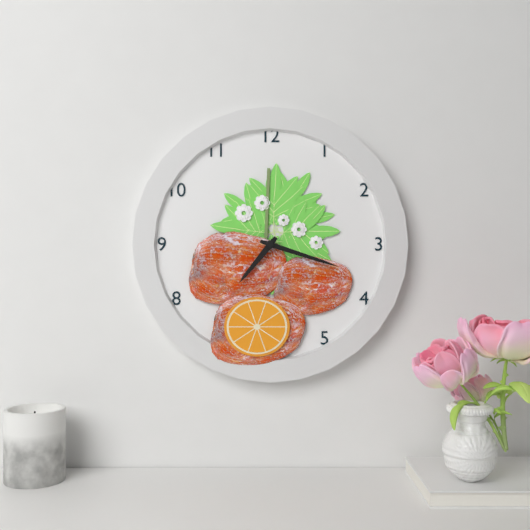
7:18
